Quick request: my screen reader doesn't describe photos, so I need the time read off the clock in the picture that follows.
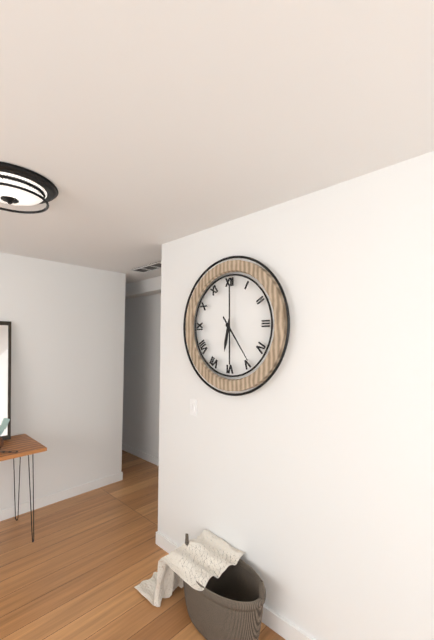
6:24
